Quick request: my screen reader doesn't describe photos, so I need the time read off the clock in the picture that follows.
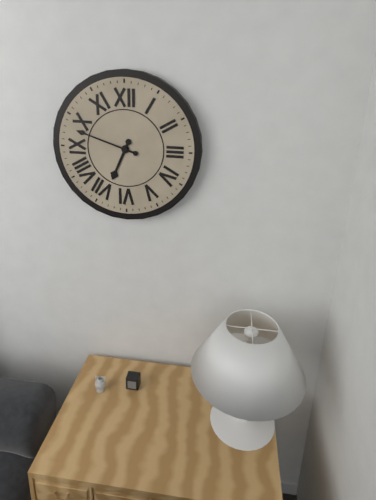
6:48
